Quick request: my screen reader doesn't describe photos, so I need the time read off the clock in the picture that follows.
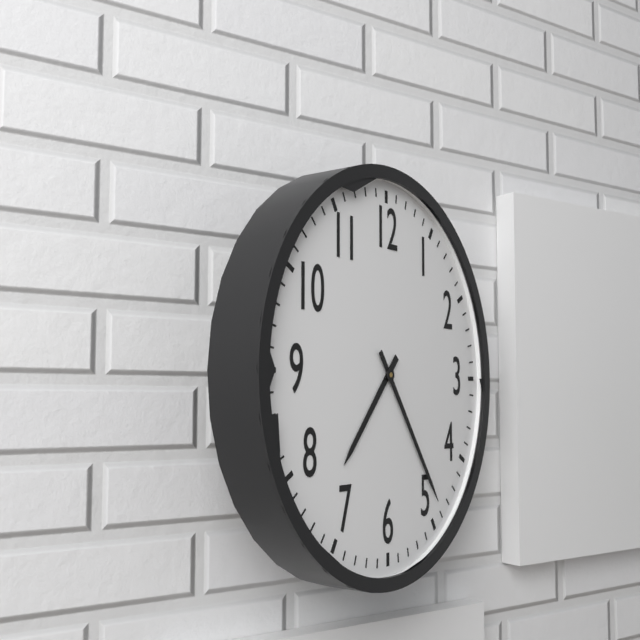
7:24
